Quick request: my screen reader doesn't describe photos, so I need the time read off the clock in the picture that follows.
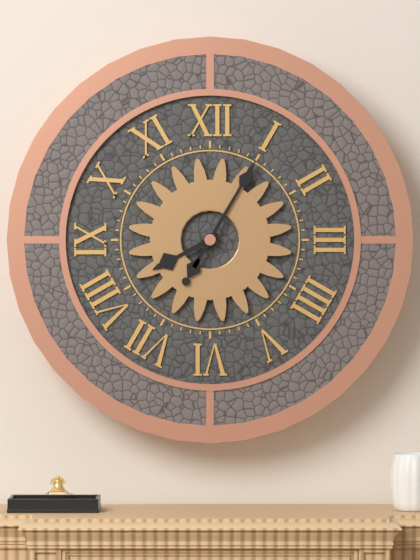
8:05
